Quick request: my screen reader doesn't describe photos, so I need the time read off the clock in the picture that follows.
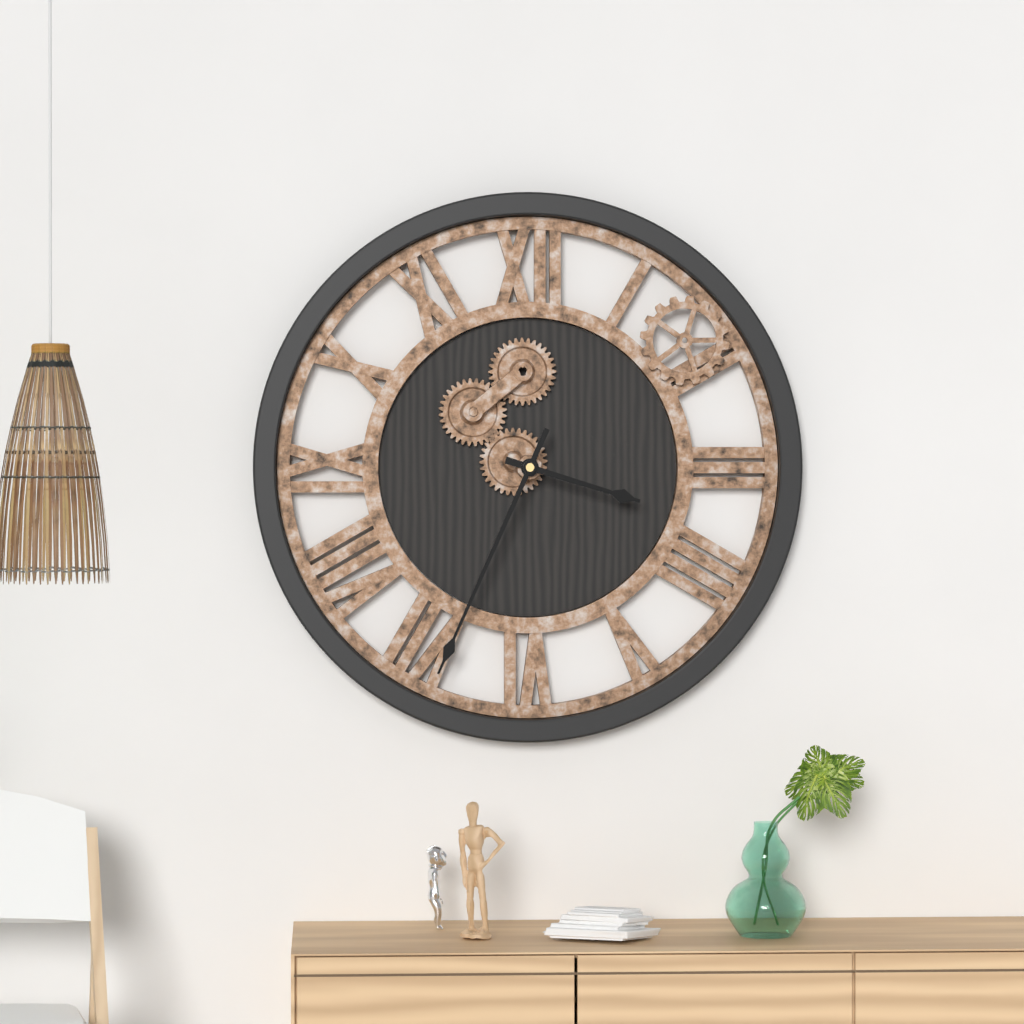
3:34
